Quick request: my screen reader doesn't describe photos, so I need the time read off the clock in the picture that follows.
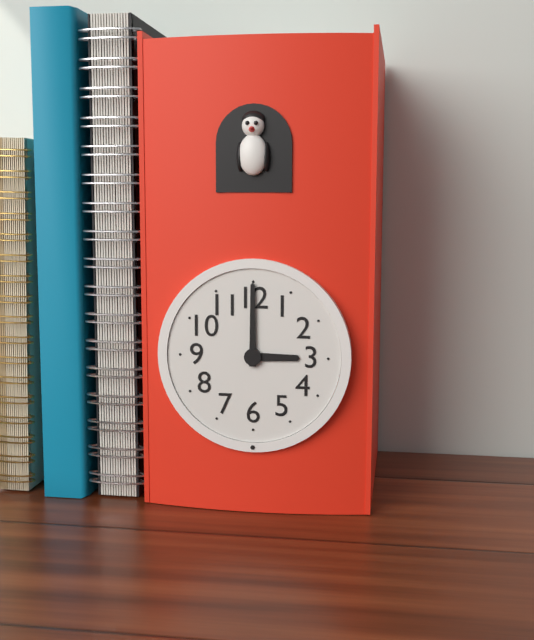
3:00
